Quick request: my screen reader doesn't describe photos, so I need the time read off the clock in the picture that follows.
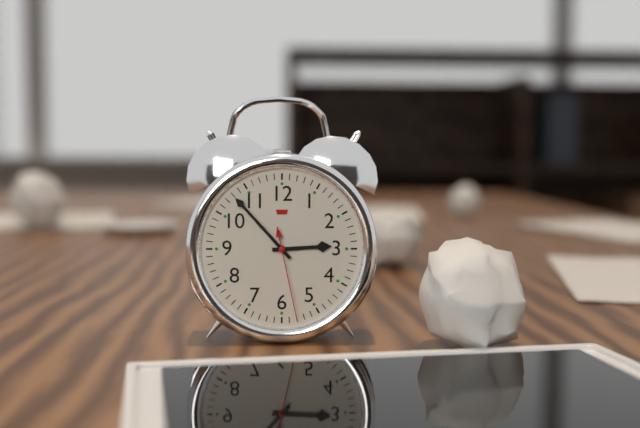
2:53:28
